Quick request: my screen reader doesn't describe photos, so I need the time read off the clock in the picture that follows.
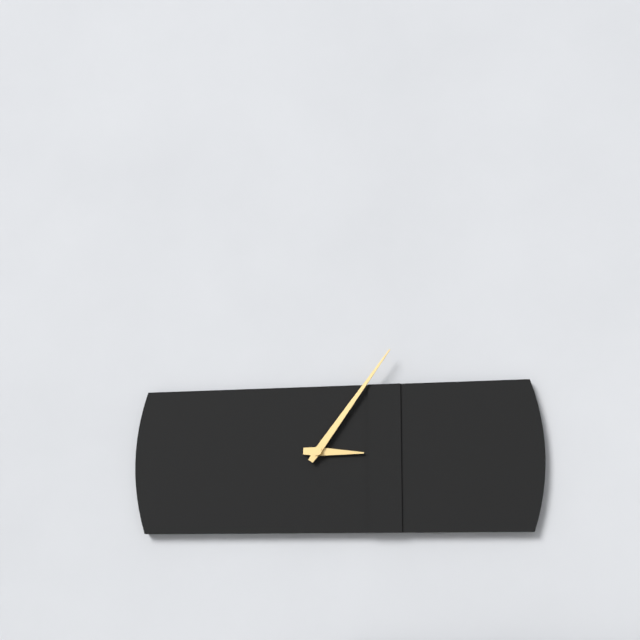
3:06
